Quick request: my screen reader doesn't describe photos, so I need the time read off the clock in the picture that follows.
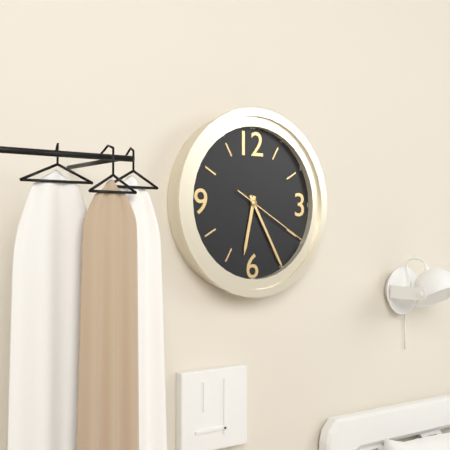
6:25:20
